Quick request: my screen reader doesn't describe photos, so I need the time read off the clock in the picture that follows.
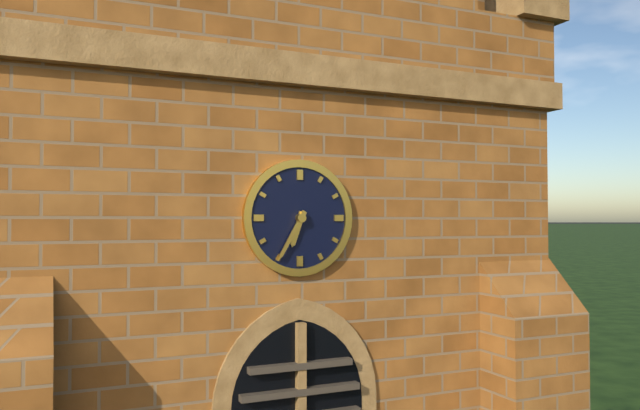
6:35
